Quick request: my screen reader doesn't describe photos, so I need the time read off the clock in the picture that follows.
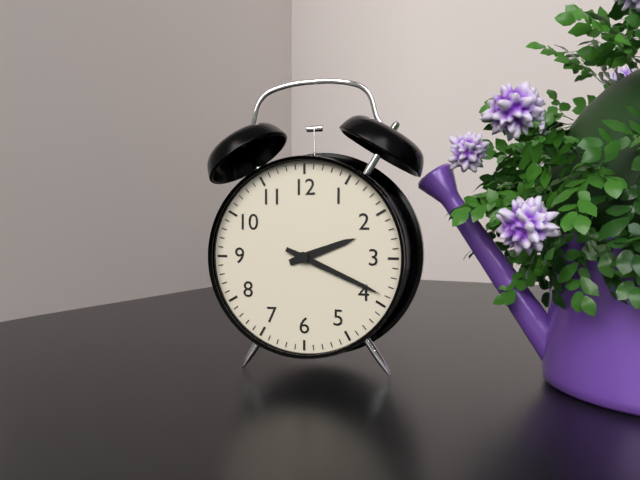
2:19
